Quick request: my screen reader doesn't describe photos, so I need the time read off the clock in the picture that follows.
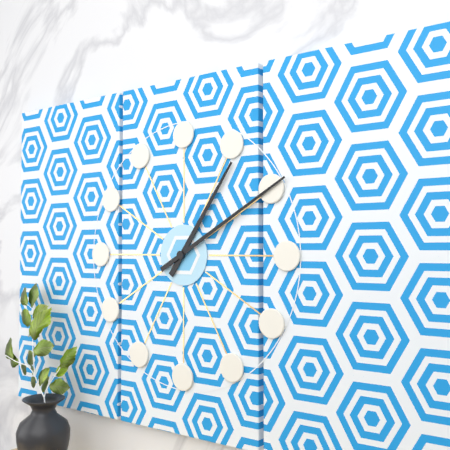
1:10
